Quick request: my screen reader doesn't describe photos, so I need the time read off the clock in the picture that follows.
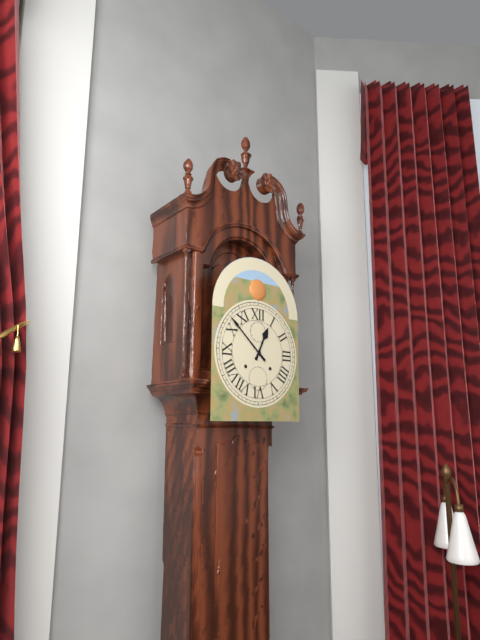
12:52
